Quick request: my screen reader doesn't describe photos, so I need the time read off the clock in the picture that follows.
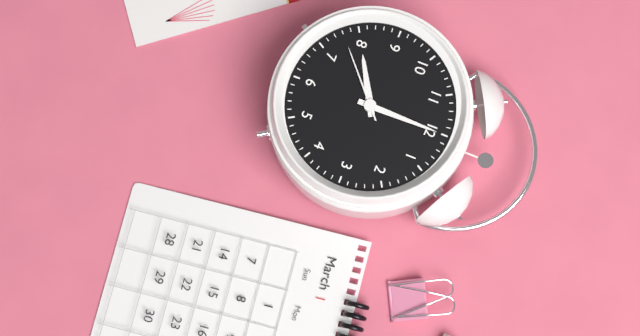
8:00:38
